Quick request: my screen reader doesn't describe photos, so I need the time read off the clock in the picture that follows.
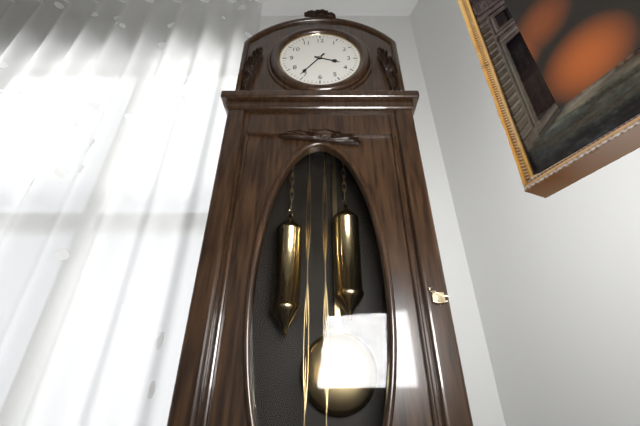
3:36
